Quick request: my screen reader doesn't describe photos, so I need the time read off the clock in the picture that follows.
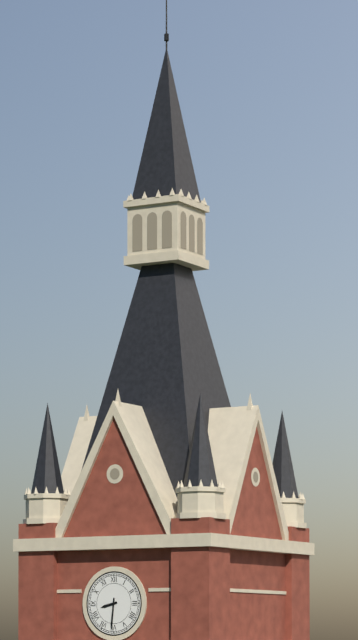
8:31
